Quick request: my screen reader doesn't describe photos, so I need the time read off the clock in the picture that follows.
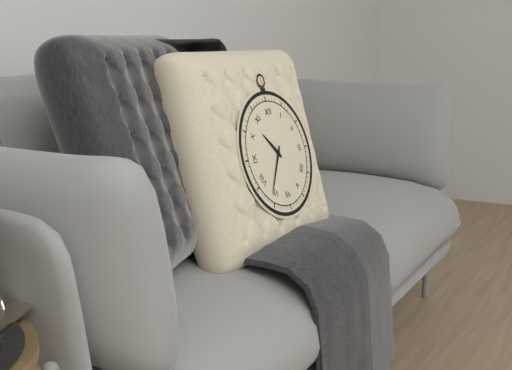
10:36
